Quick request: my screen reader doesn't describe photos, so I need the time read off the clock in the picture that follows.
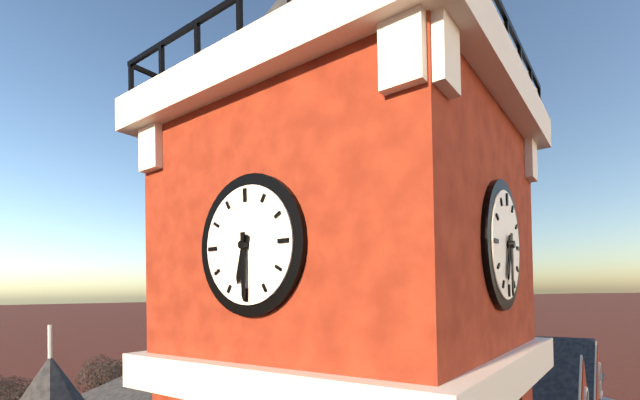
6:30
